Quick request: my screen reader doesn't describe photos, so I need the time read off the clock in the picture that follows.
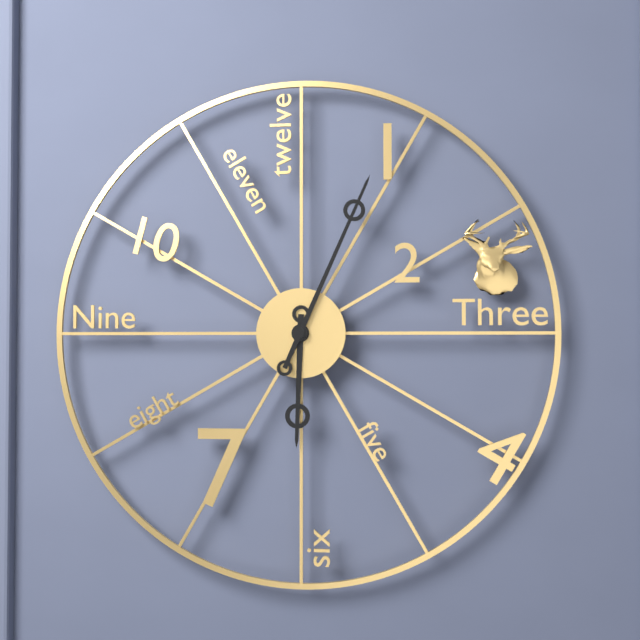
6:04
